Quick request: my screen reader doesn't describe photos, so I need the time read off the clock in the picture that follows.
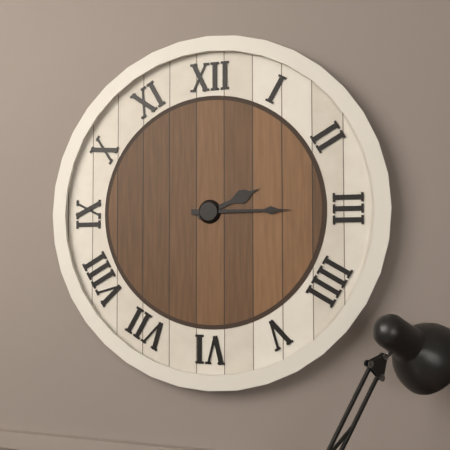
2:15
